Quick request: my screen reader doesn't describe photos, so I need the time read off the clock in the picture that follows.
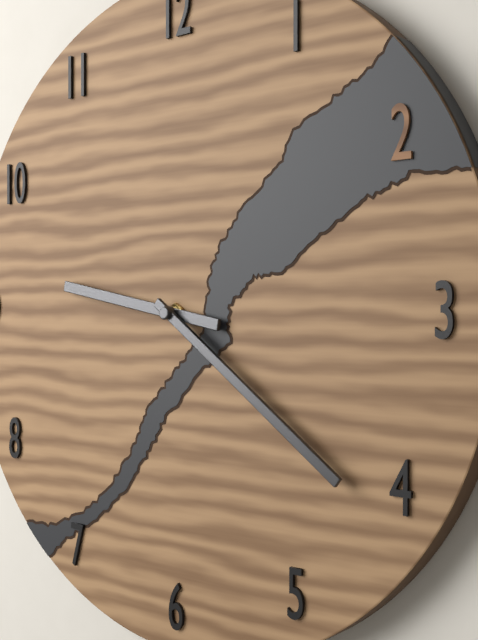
9:21
